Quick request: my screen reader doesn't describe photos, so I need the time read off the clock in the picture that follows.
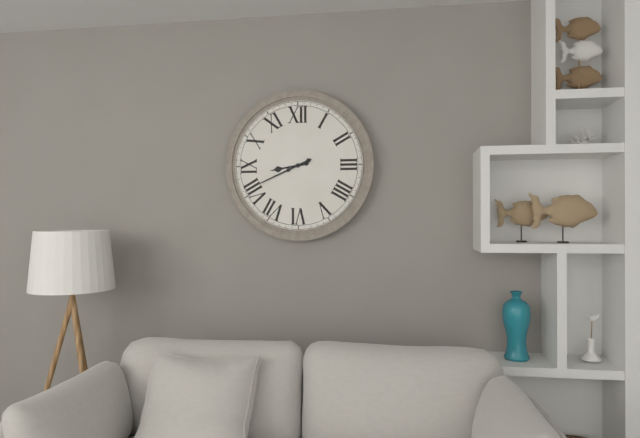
8:41
